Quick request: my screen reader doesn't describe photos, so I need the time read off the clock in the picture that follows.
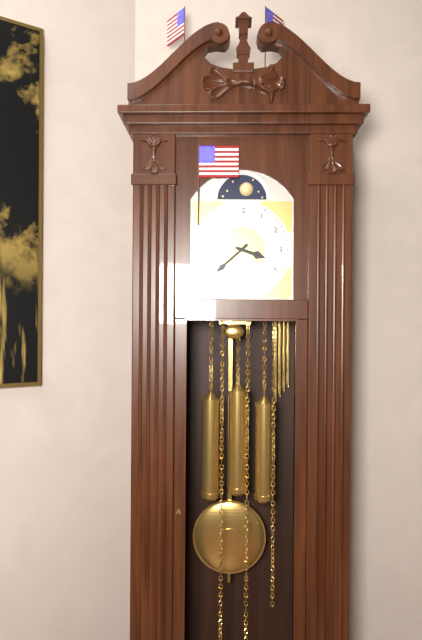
3:38
